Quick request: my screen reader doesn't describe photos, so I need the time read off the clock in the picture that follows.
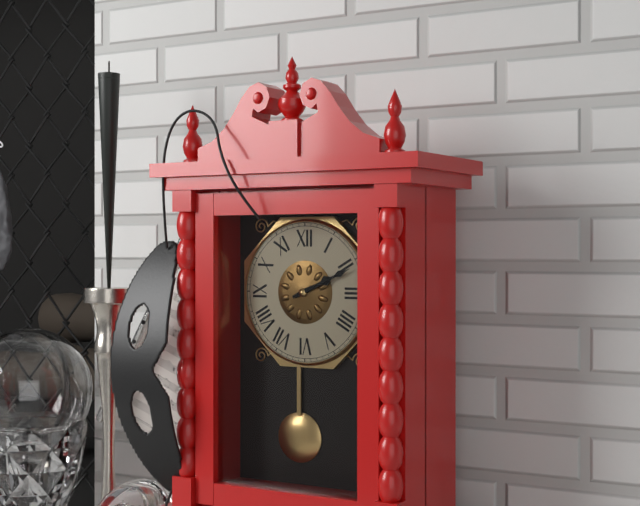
2:11
